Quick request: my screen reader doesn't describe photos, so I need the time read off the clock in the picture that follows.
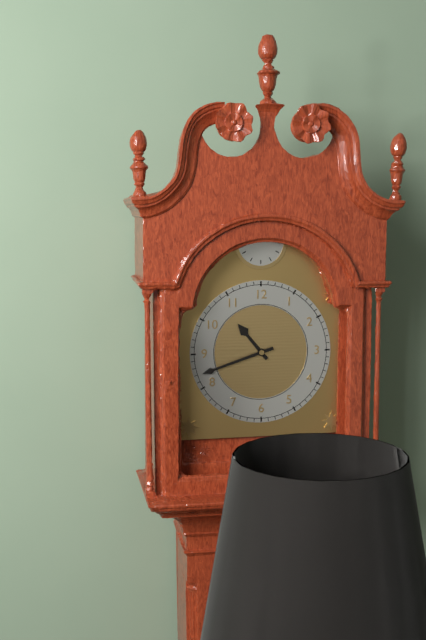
10:42
